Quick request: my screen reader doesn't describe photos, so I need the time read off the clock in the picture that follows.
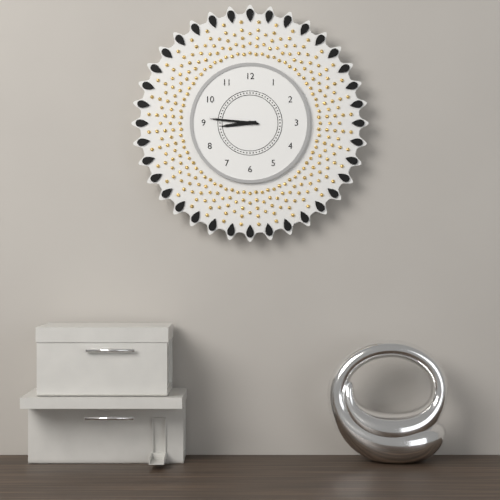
8:46
